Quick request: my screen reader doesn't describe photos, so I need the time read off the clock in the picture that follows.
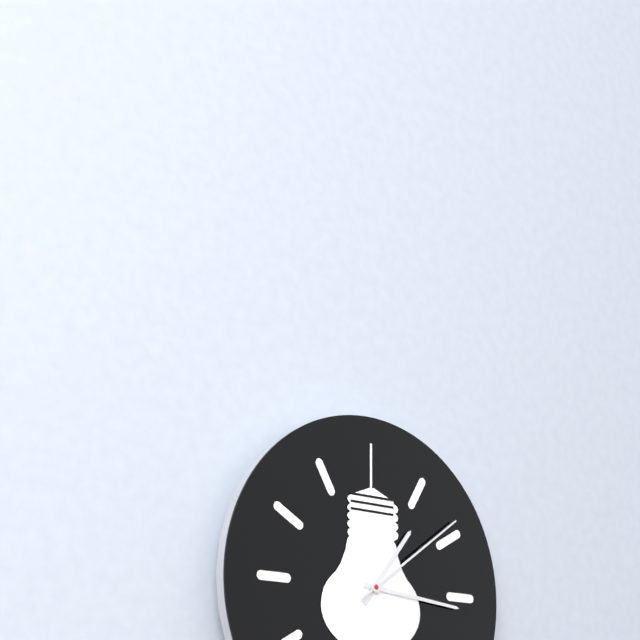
1:16:09
